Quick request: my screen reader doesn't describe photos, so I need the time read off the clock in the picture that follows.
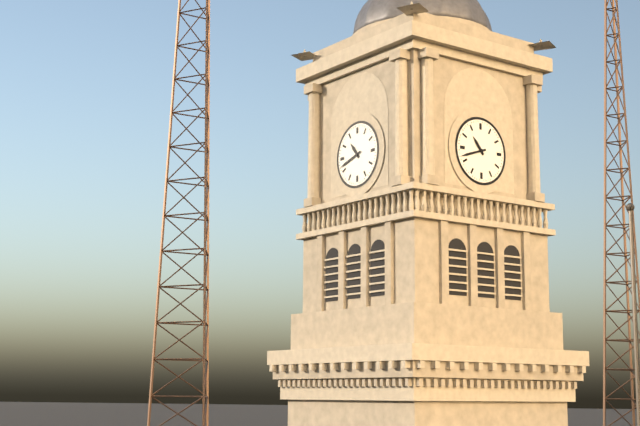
10:42
